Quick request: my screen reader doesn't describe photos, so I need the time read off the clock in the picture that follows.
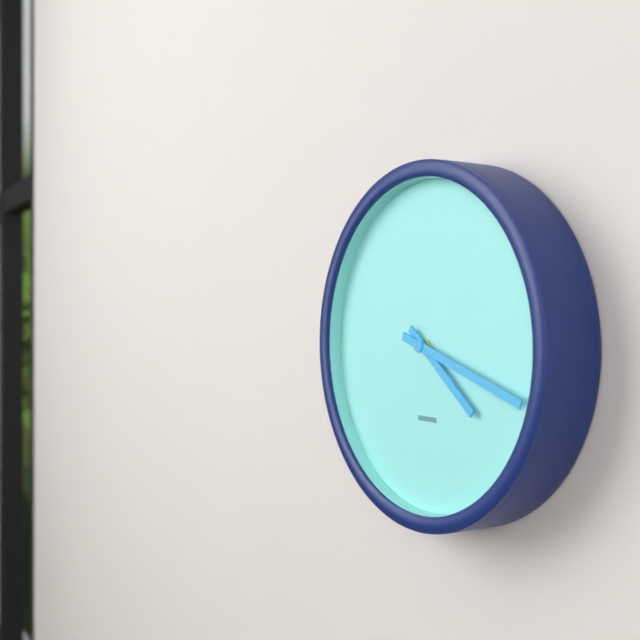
4:18
